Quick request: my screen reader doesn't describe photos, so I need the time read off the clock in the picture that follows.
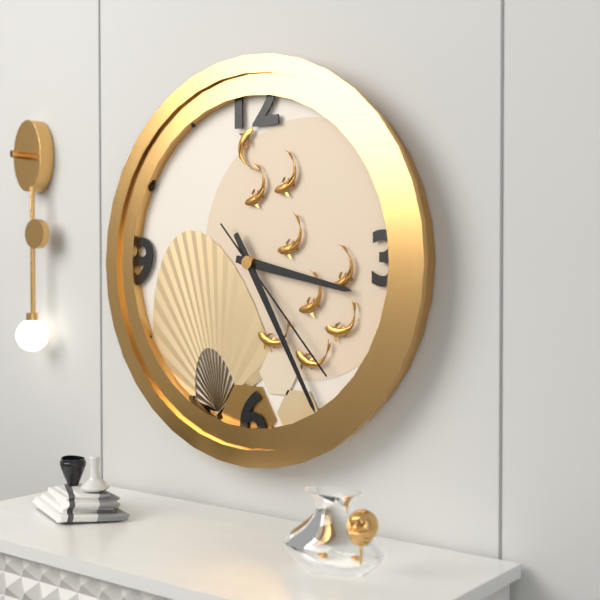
3:25:23
